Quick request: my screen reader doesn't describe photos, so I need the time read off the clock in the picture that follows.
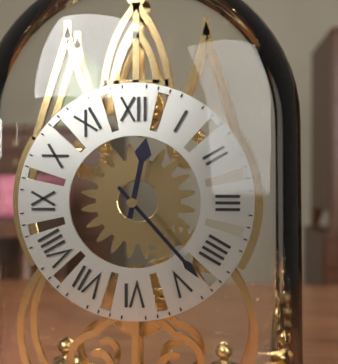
12:23
